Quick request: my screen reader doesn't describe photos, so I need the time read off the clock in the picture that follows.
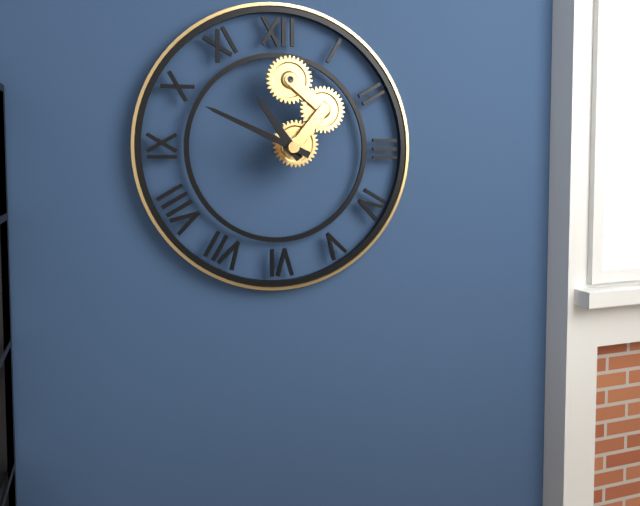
10:49
